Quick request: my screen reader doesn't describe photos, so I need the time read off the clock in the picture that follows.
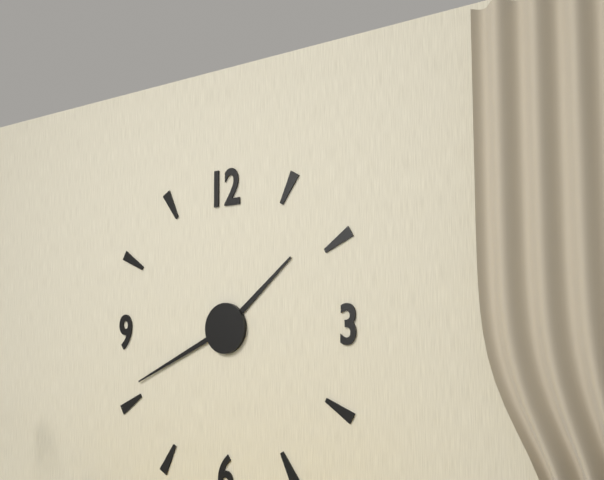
1:41
